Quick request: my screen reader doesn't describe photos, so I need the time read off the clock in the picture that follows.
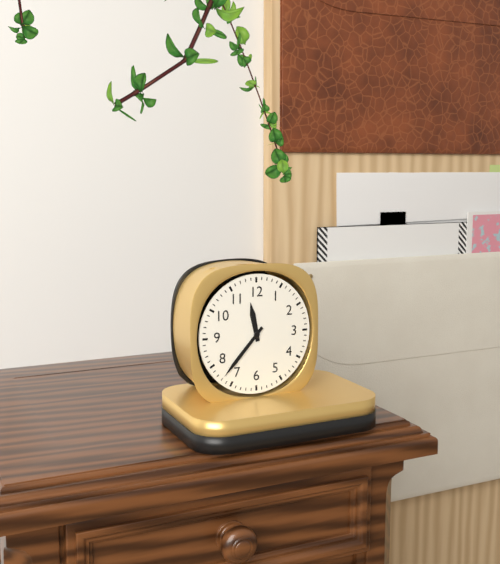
11:37
